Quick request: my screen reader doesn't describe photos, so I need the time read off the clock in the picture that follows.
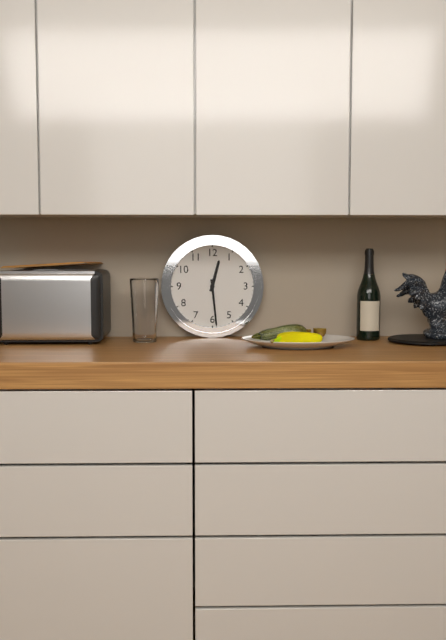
12:29
